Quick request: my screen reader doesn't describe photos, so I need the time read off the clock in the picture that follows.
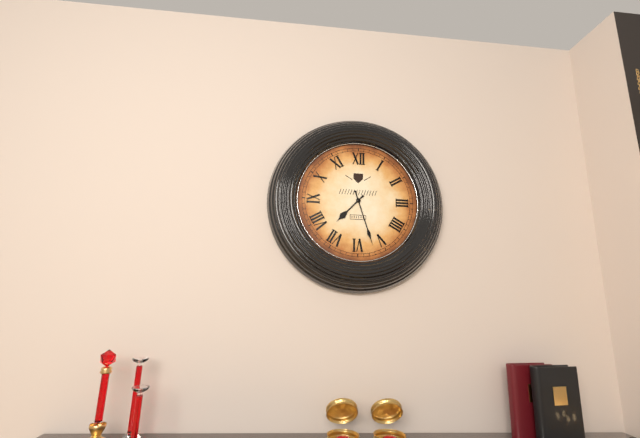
7:27
